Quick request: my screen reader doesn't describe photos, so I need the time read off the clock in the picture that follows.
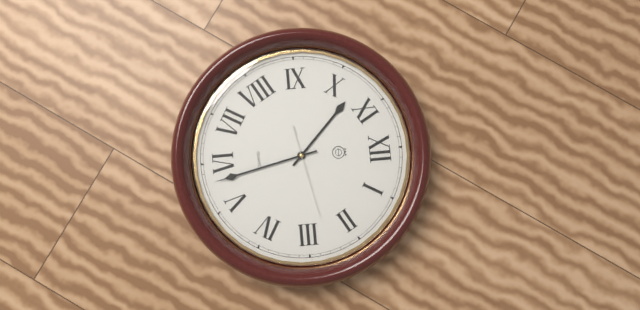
10:28:13
